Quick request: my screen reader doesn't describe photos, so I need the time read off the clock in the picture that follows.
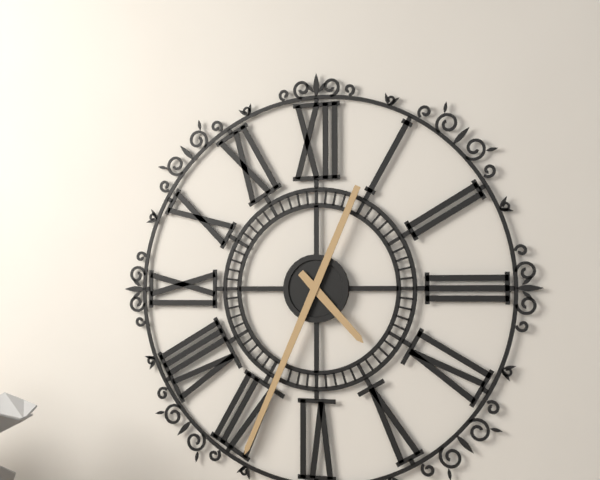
4:34
